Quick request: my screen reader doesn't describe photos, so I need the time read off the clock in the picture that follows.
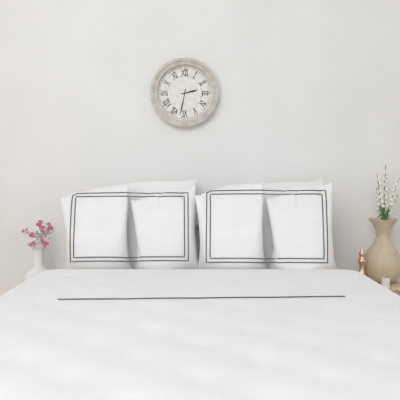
2:32
